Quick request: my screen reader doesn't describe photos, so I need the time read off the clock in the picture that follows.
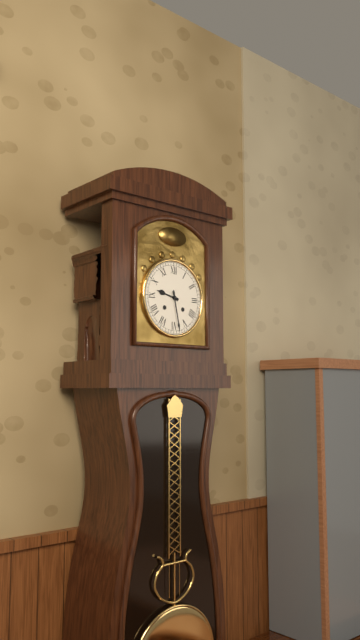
9:28
